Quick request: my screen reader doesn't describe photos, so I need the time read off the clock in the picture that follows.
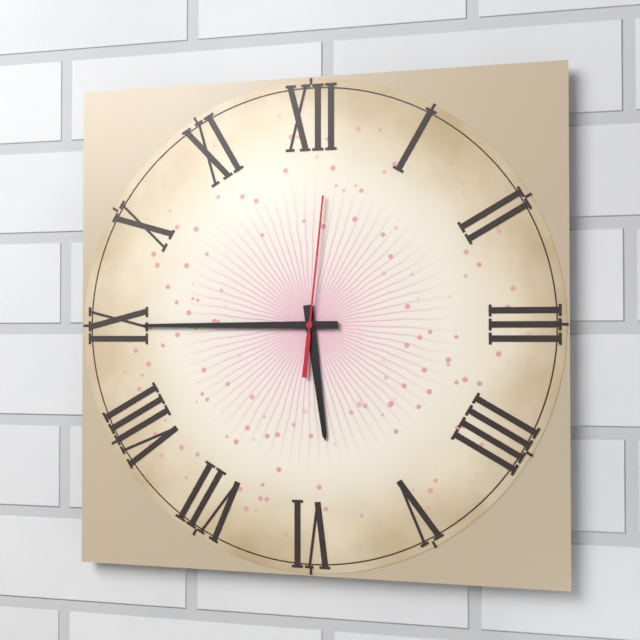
5:45:01
